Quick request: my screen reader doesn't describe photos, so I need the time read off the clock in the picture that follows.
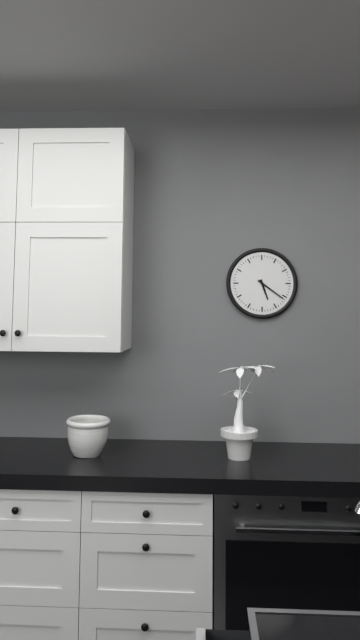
5:21
